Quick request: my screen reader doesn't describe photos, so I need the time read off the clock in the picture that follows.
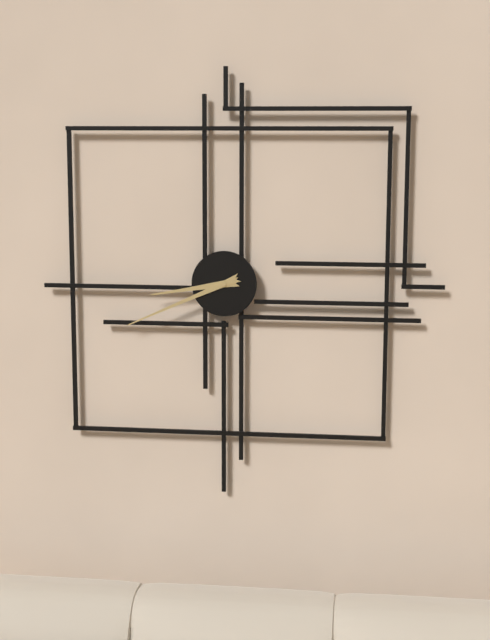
8:41
